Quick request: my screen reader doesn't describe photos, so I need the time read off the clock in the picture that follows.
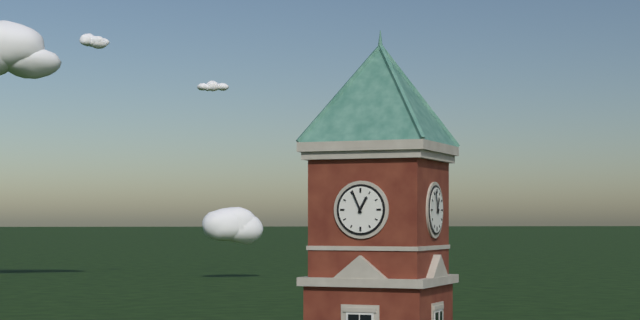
12:56
